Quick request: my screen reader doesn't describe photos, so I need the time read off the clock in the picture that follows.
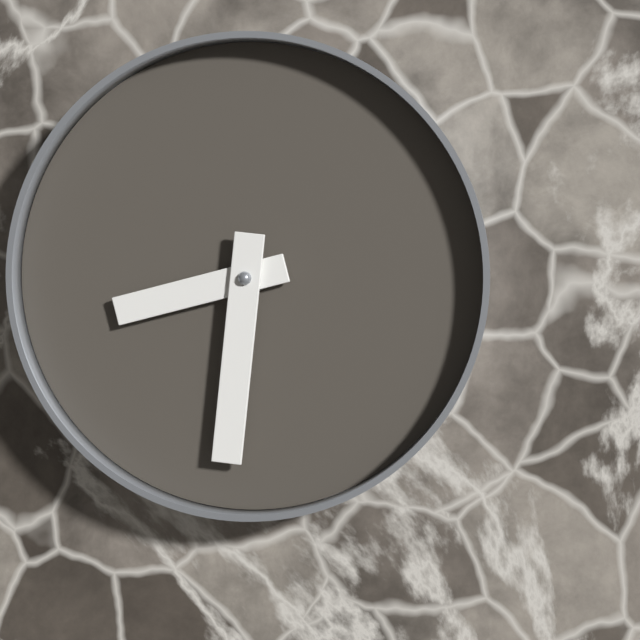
8:31
